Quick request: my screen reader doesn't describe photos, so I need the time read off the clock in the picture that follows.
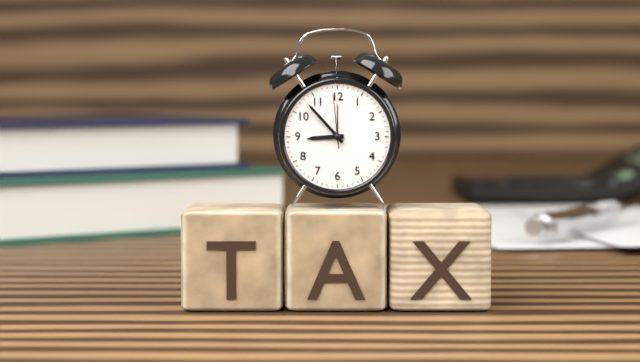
8:53:59
